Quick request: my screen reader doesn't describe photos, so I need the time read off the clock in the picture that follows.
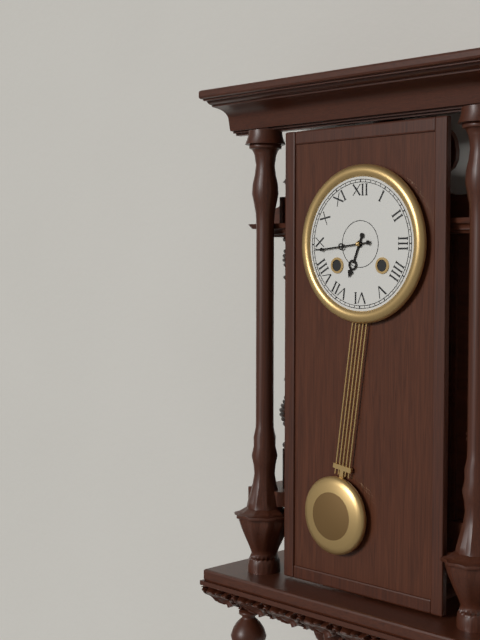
6:44
